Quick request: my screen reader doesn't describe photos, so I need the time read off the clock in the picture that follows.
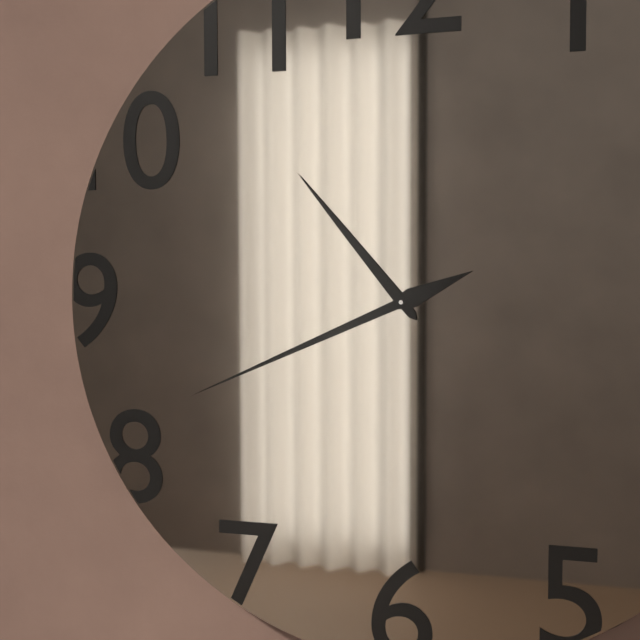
10:41
